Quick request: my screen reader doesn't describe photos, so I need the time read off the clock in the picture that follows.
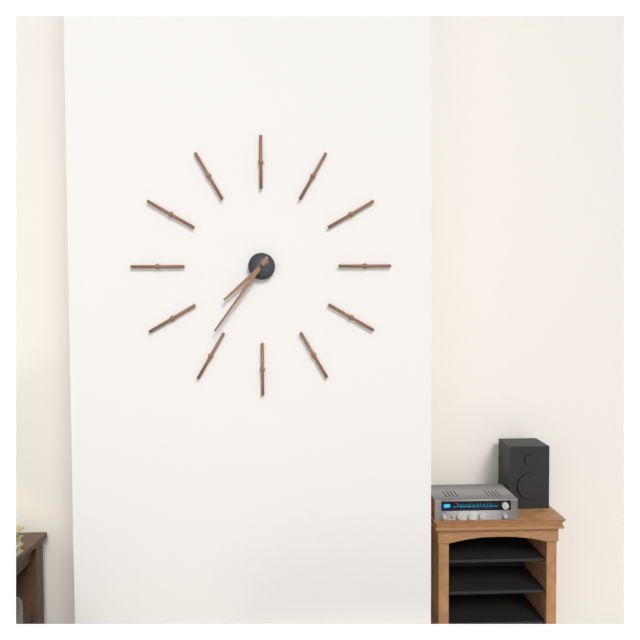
7:36
